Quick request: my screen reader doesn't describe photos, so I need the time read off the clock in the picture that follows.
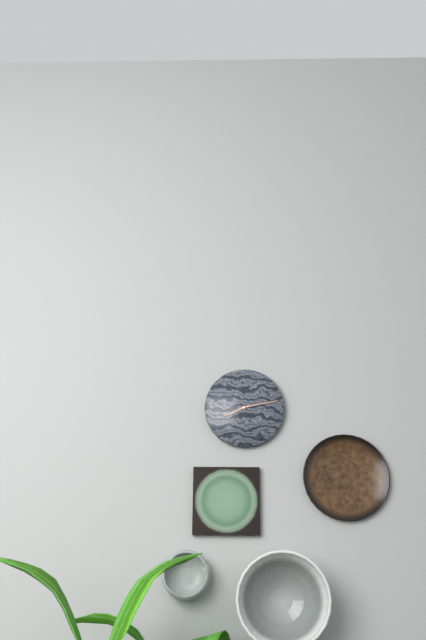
8:13
